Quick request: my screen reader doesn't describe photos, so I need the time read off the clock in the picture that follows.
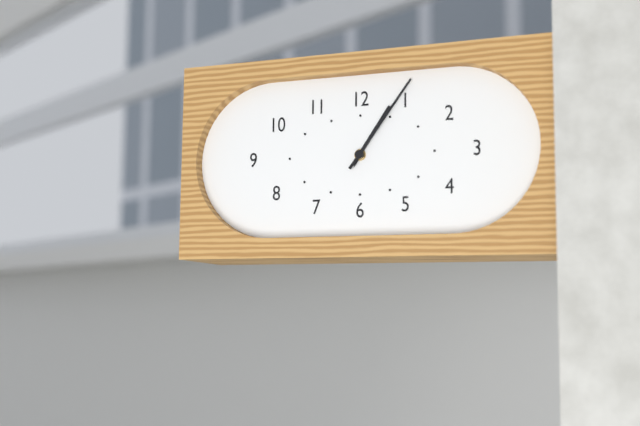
1:06
